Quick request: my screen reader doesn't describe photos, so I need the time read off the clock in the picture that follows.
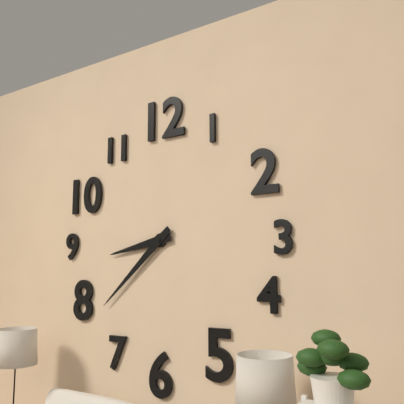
8:38
